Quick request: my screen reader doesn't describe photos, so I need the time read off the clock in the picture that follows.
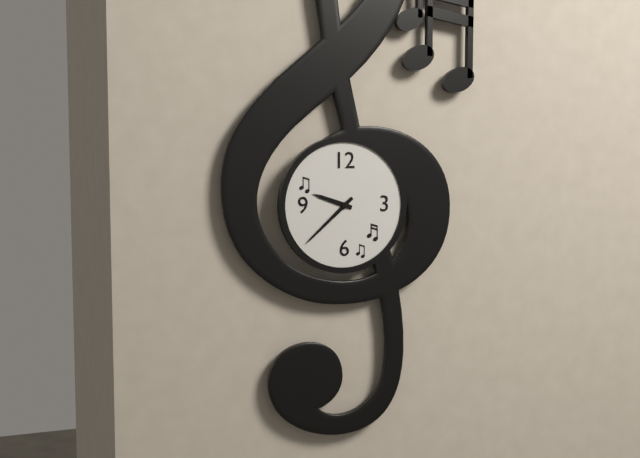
9:38
